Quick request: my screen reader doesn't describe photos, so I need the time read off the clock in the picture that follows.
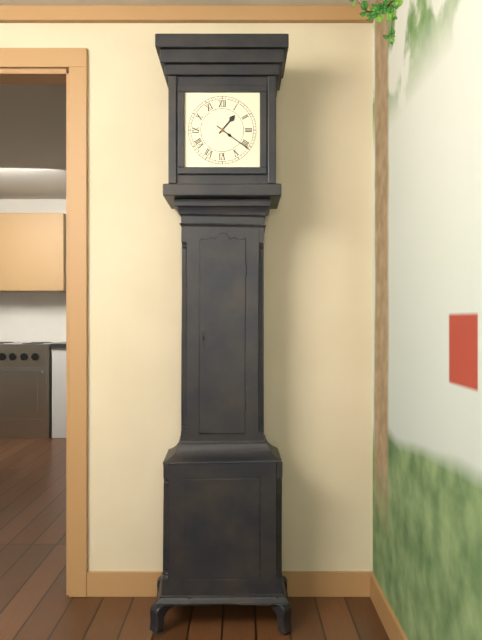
1:21
